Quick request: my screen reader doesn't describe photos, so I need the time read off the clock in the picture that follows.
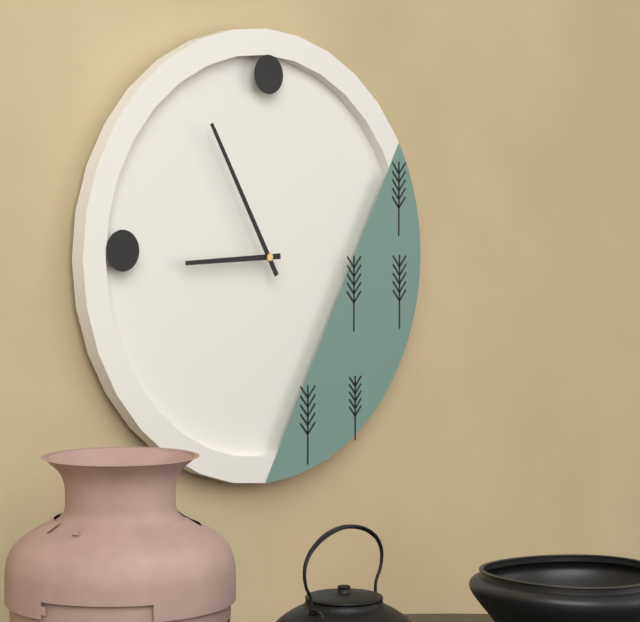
8:55
